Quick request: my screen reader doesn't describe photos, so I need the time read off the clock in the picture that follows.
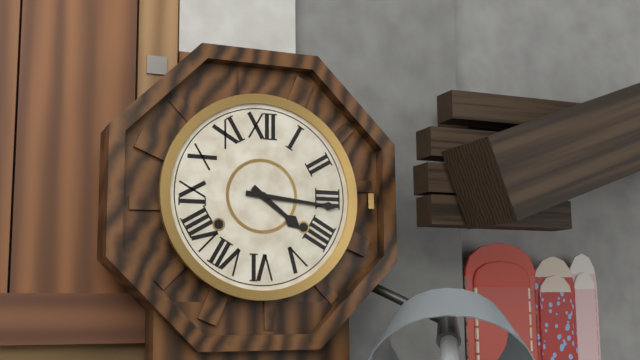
4:16
